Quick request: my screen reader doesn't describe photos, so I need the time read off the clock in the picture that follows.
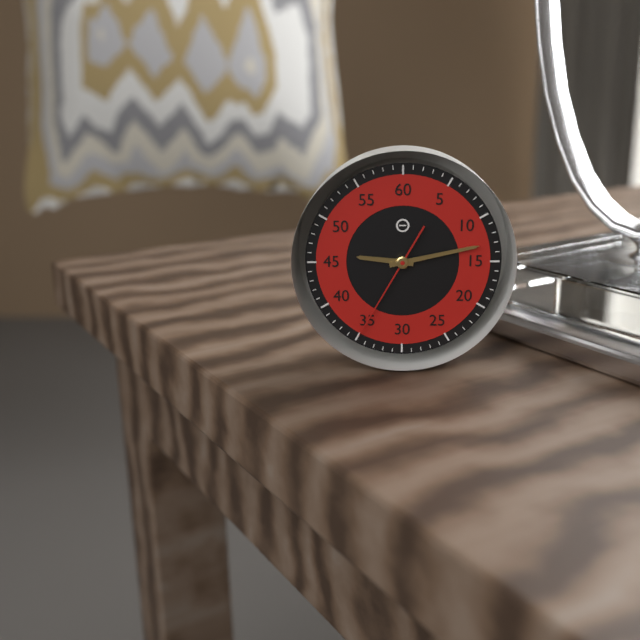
9:13:35
